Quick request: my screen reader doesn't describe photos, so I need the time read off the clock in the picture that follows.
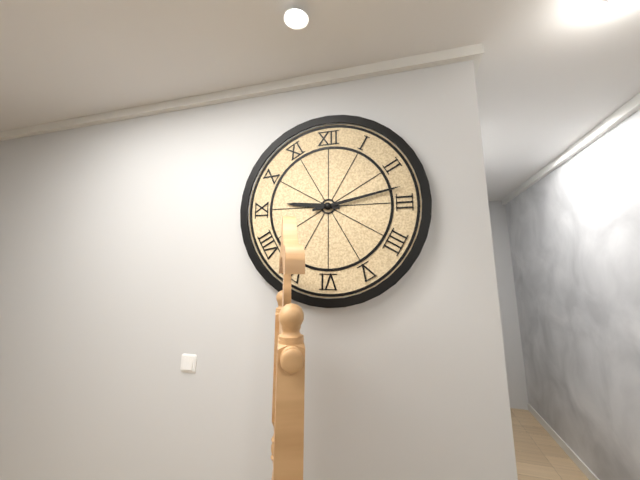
9:13
